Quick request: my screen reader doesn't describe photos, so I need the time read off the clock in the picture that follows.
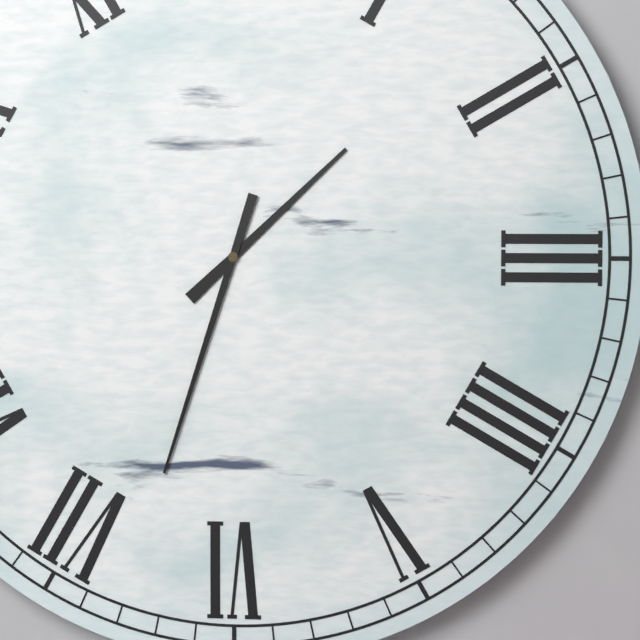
1:33
